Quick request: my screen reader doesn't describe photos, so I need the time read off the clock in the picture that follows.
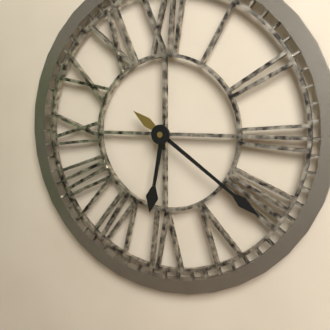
6:21
